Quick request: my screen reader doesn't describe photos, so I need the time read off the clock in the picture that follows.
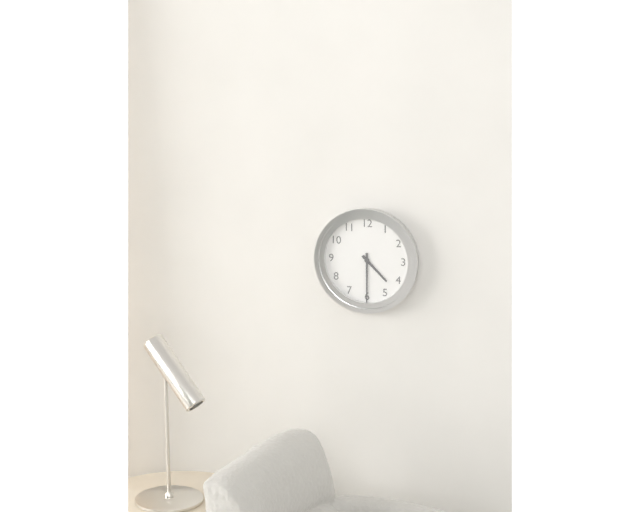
4:30
